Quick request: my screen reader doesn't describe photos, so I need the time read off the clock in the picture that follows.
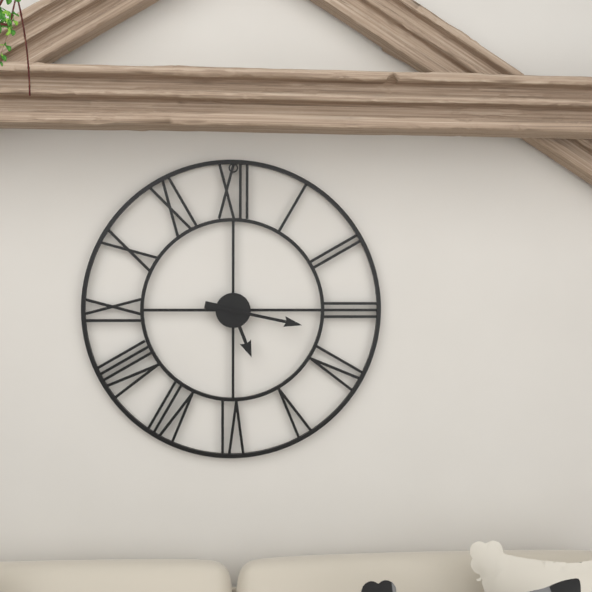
5:17
